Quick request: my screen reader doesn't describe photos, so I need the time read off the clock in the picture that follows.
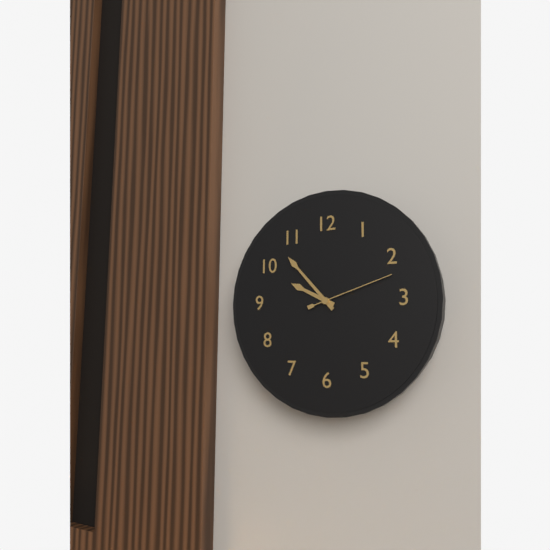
9:53:12
